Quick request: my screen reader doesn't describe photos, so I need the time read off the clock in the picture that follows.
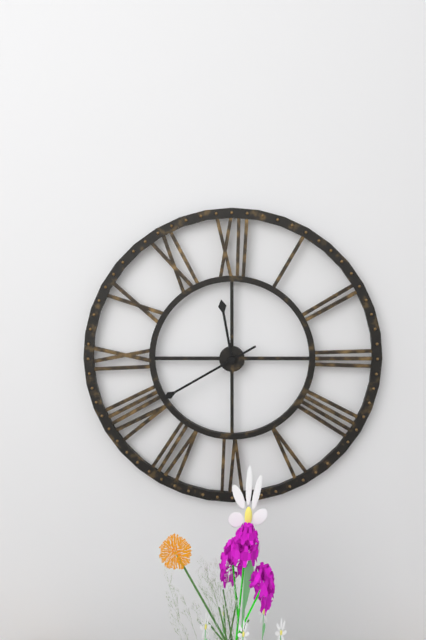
11:40
